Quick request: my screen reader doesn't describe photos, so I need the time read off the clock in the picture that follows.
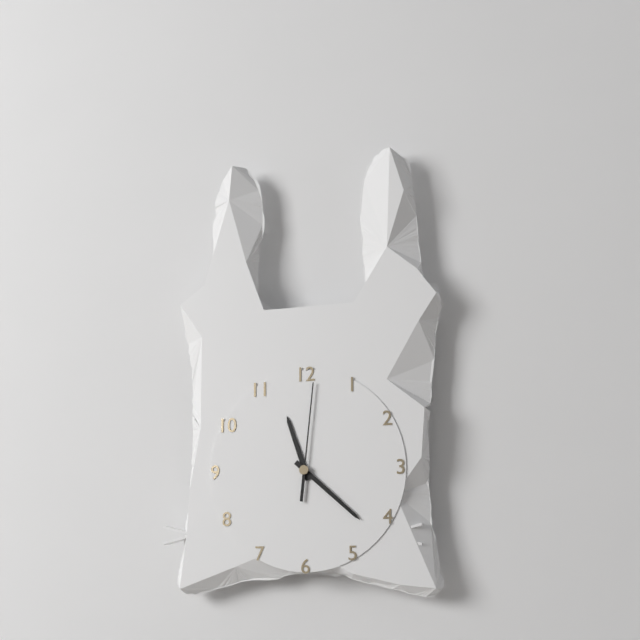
11:22:01
